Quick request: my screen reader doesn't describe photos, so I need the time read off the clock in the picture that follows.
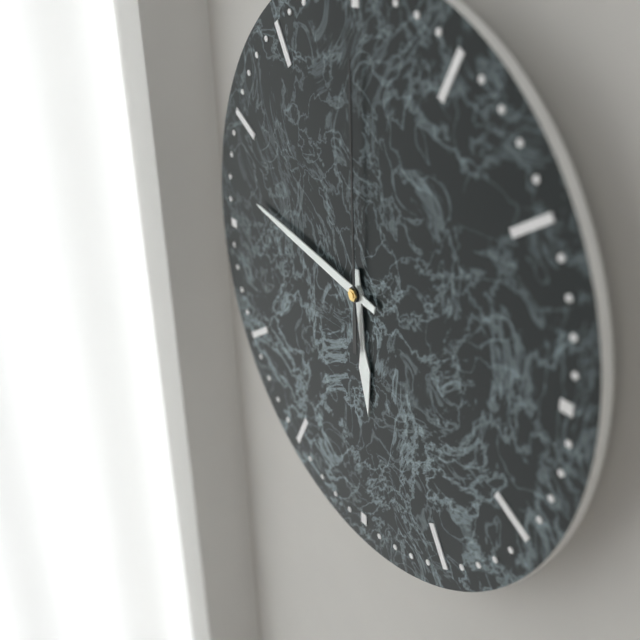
5:47:00
